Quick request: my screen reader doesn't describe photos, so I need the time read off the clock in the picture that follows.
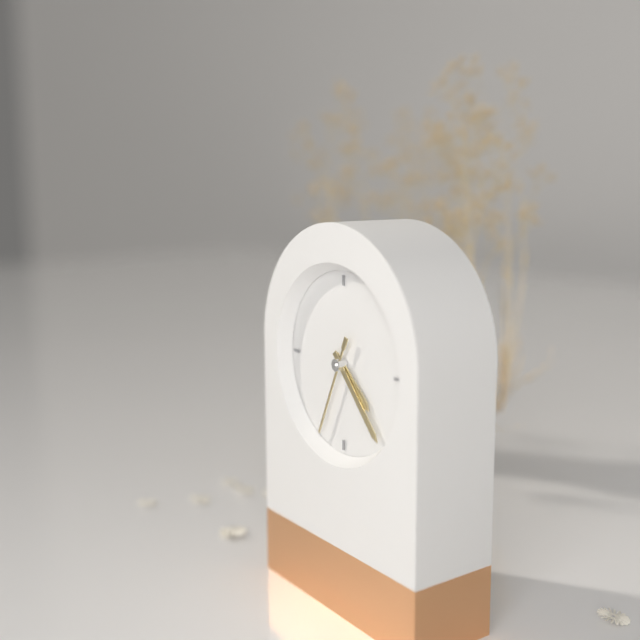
4:23:34
